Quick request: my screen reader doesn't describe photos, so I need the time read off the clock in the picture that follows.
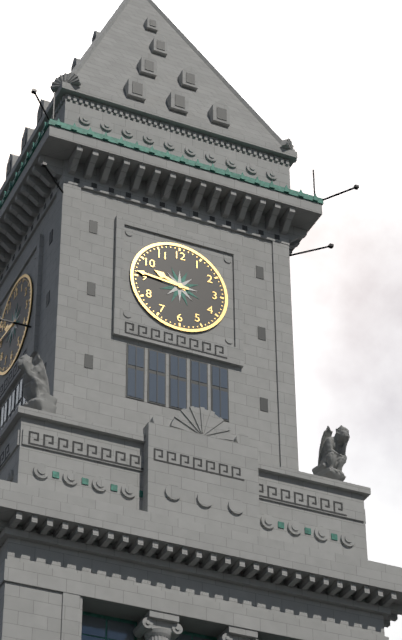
9:46
